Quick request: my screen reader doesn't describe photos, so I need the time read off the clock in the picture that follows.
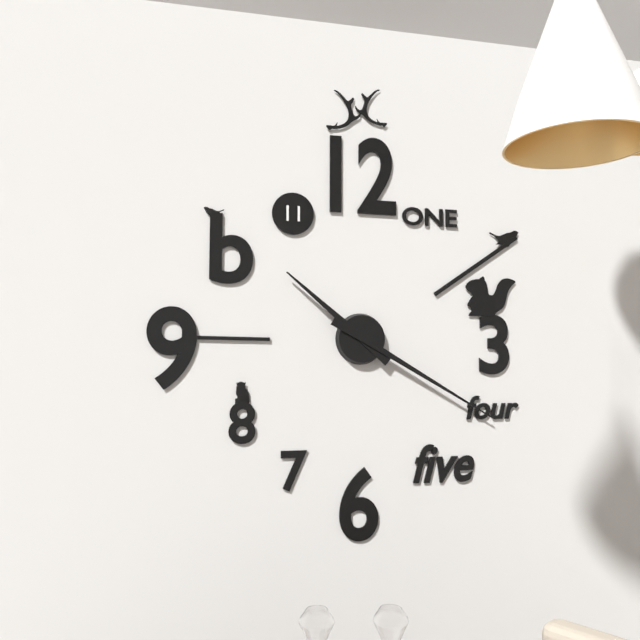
10:20
